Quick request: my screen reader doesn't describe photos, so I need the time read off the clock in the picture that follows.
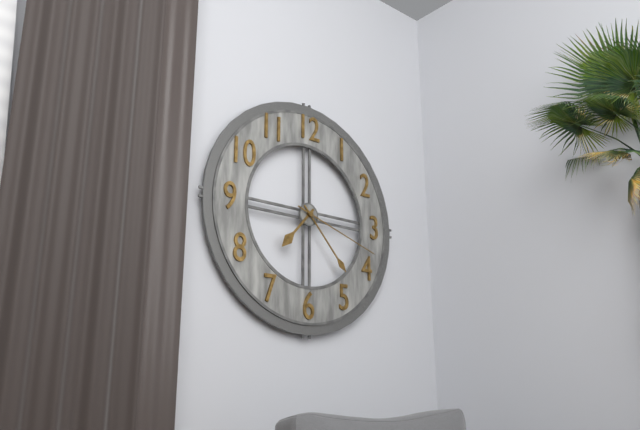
7:23:18
